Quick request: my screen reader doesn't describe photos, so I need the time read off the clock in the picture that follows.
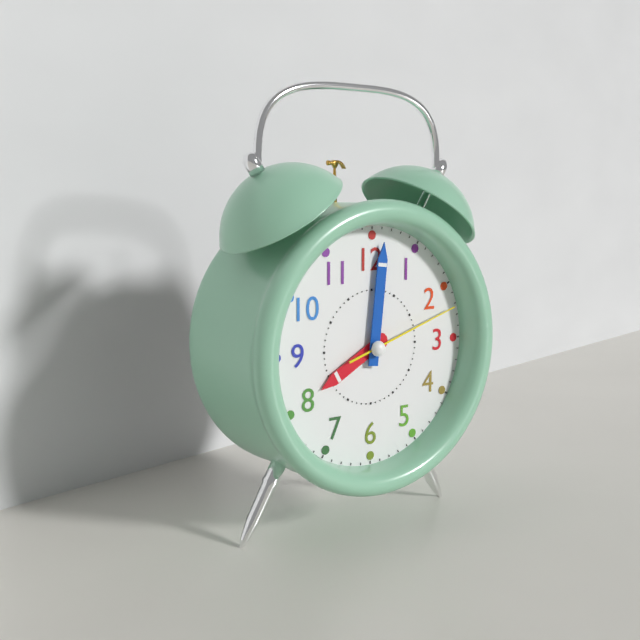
8:01:12
